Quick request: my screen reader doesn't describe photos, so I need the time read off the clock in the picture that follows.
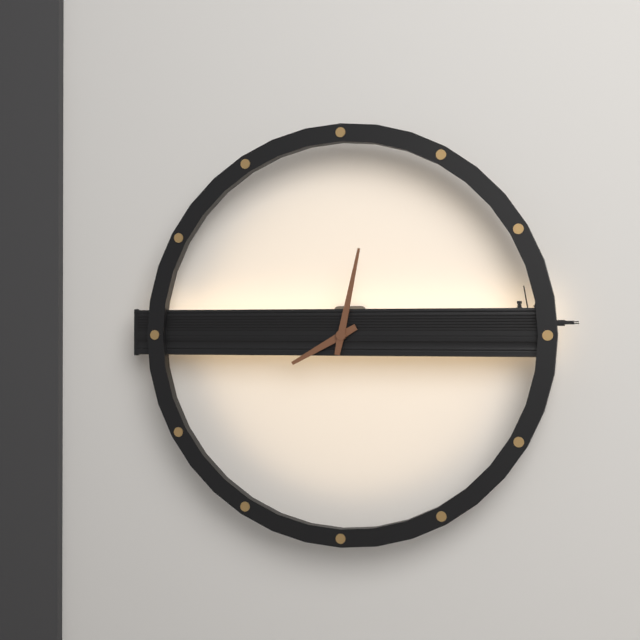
8:02
